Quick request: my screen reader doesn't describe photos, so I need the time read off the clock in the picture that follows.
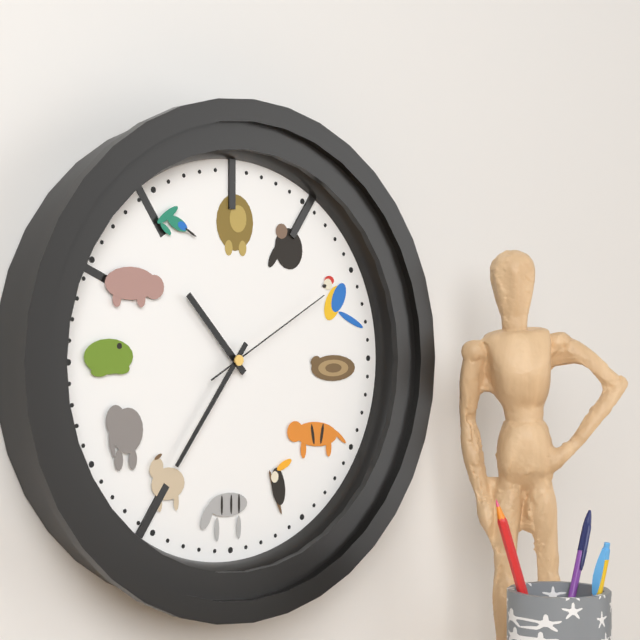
10:36:10
